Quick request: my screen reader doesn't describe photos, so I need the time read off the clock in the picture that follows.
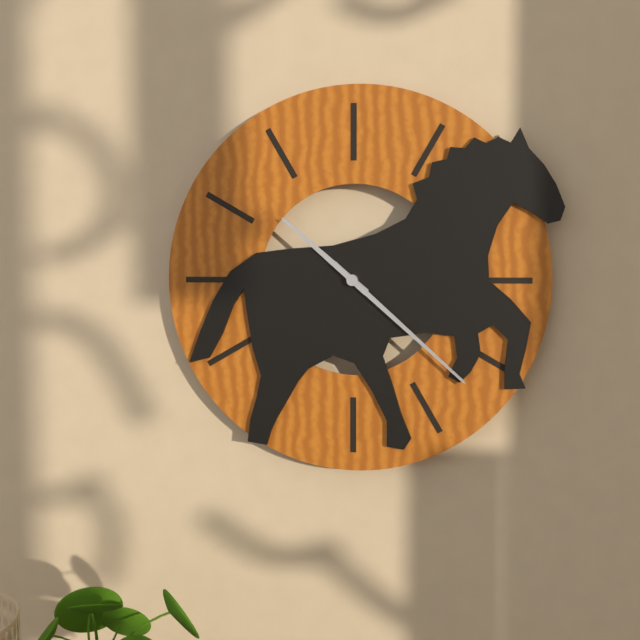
10:22
